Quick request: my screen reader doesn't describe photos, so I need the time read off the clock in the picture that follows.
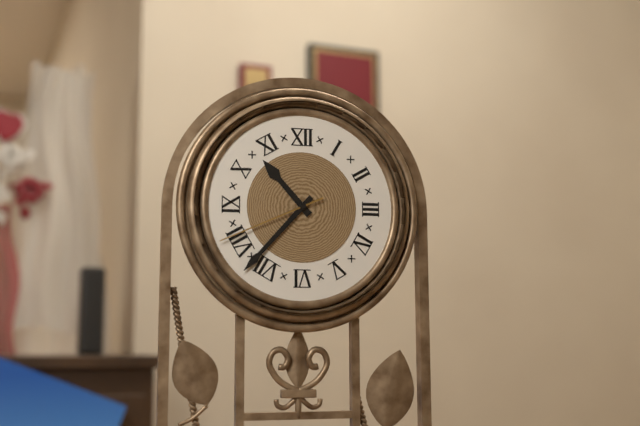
10:37:41
